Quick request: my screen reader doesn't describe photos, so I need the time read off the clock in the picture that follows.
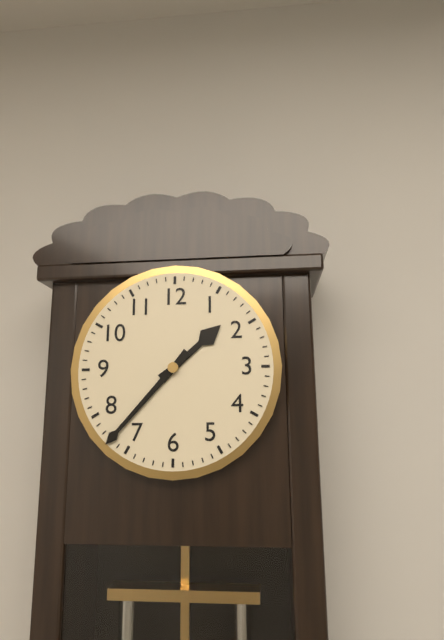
1:37
